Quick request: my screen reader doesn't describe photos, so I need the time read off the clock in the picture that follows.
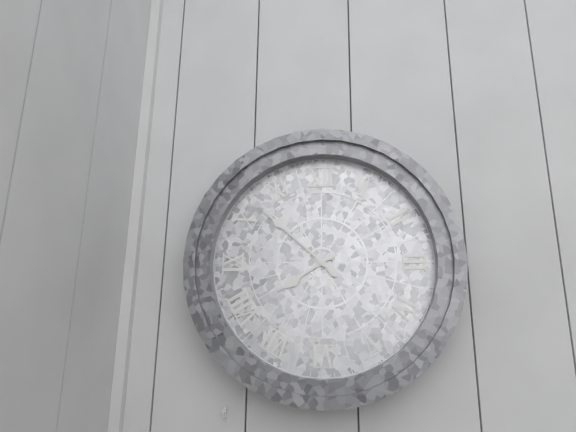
7:52
